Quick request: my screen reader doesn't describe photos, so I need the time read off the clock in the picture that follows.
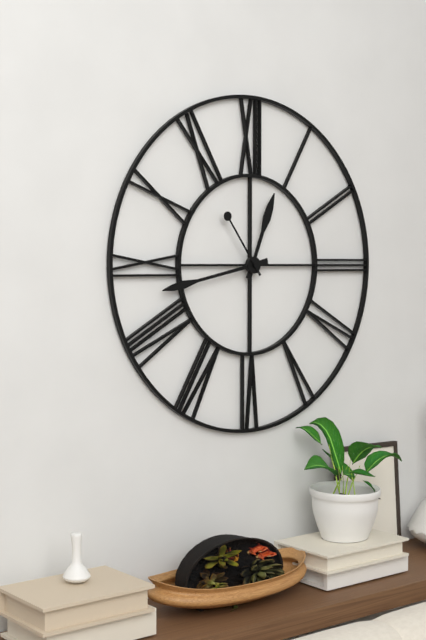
12:43:54
